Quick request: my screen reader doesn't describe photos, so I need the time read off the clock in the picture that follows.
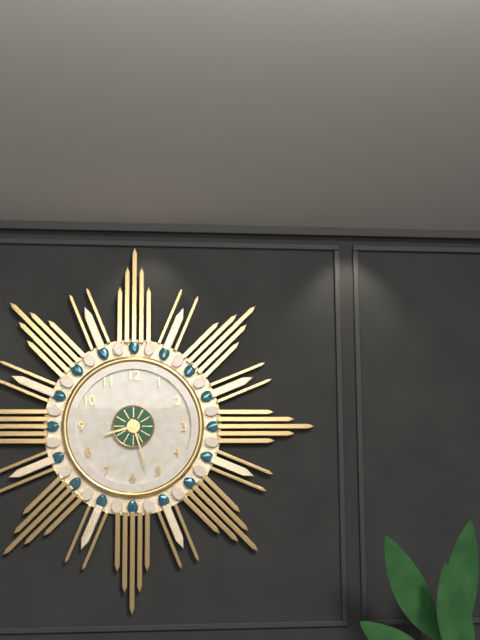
8:27
